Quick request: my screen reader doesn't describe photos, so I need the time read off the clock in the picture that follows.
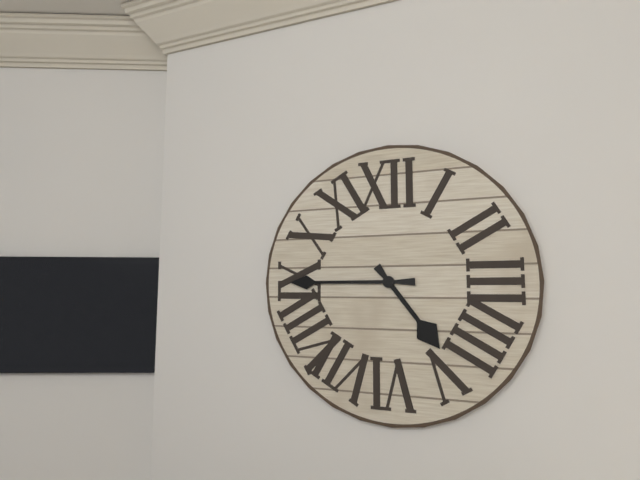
4:45
